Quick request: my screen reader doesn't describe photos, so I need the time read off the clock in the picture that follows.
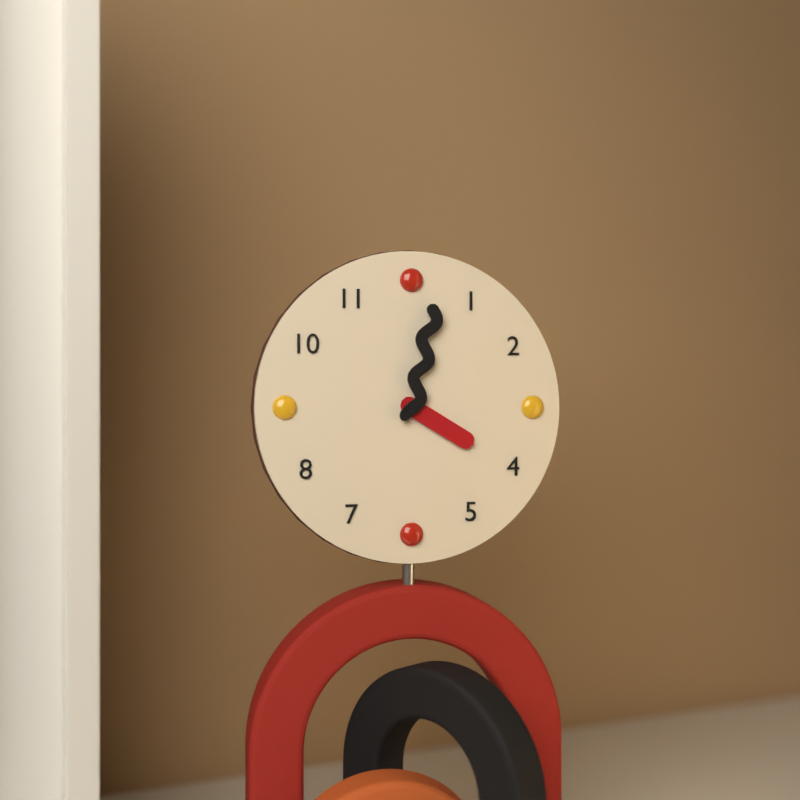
4:02
